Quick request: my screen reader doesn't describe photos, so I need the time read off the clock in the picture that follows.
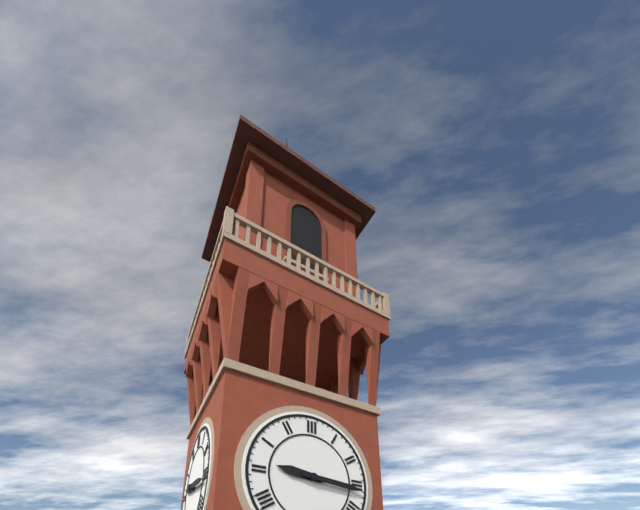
9:16
